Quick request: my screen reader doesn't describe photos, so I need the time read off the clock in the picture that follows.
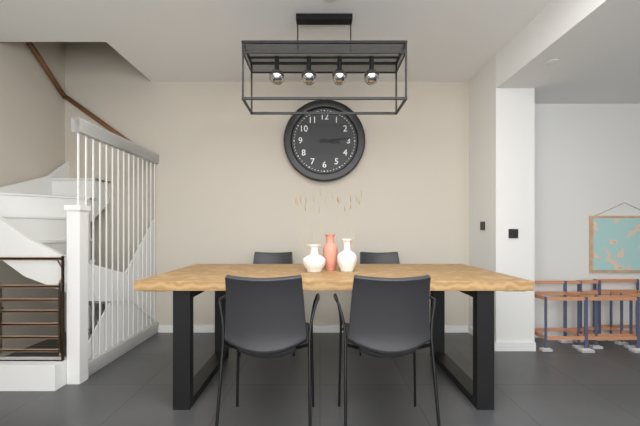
3:14
